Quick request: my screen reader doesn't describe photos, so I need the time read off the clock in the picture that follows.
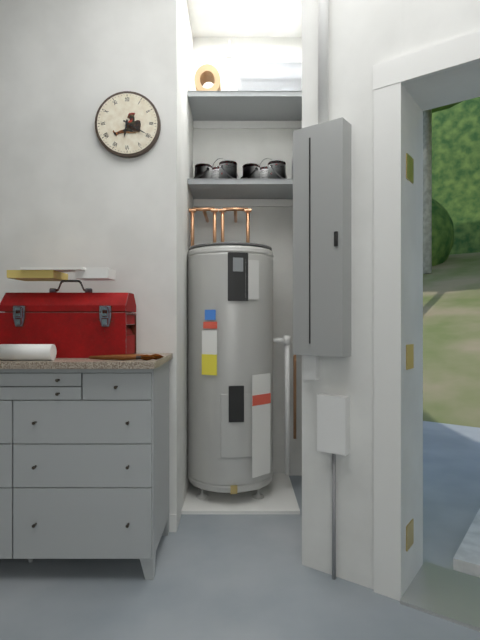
6:20
